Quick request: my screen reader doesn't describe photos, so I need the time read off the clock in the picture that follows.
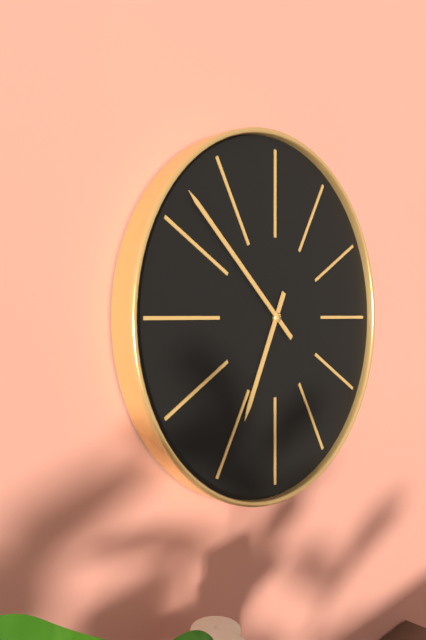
6:52
